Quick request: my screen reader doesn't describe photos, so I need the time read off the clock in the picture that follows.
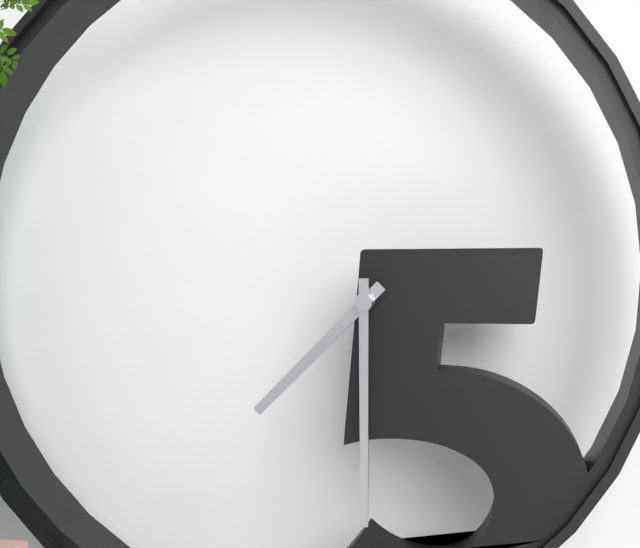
7:30
